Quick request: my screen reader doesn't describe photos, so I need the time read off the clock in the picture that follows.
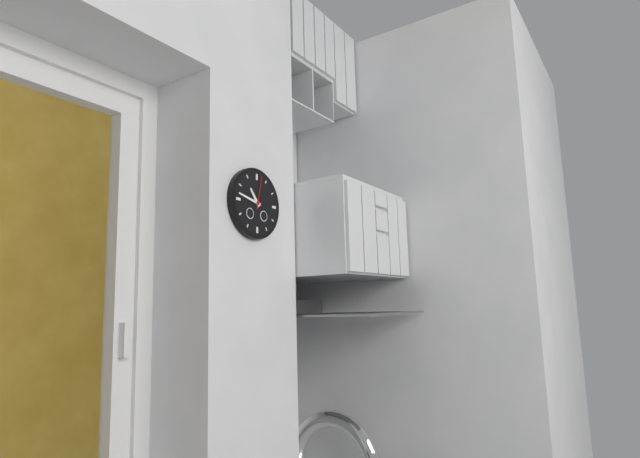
10:47
